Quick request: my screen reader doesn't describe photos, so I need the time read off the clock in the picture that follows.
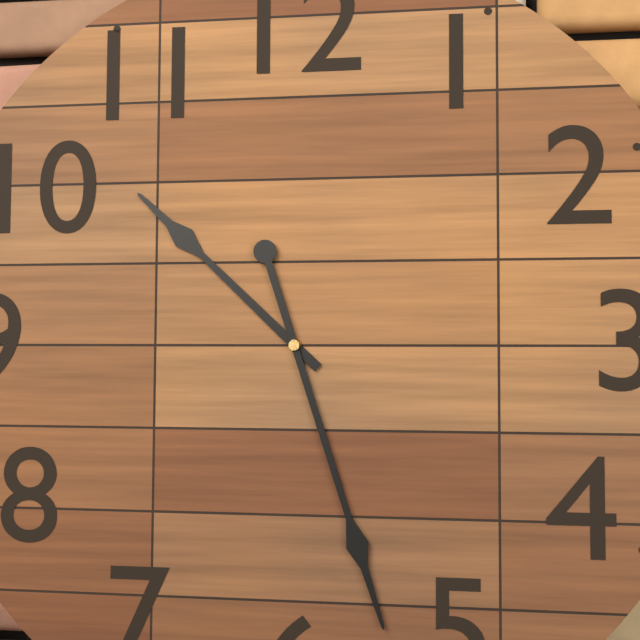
10:27
